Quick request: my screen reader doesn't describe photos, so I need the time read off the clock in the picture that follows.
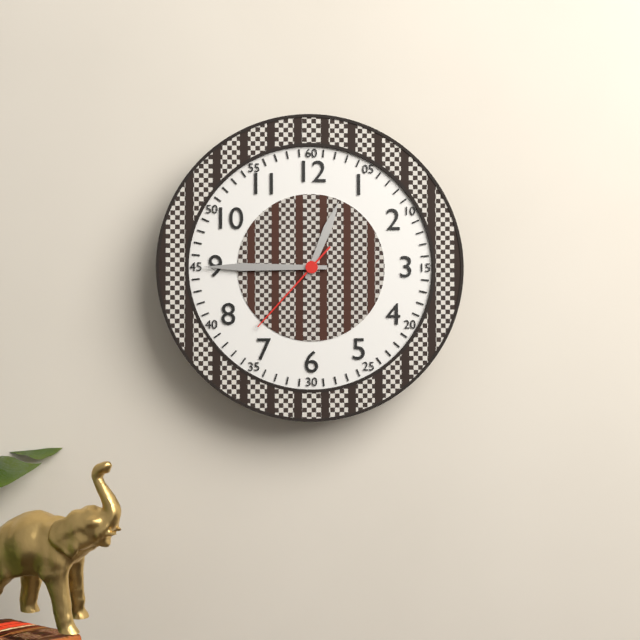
12:45:37
